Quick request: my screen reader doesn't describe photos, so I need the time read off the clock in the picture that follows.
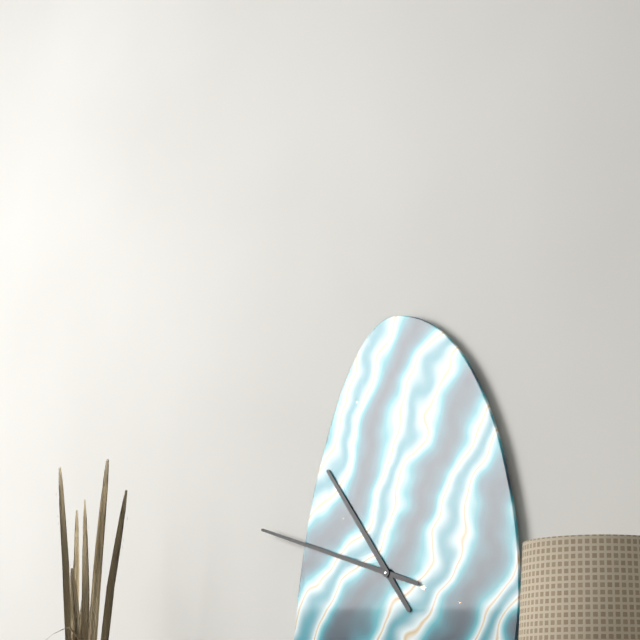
10:48
